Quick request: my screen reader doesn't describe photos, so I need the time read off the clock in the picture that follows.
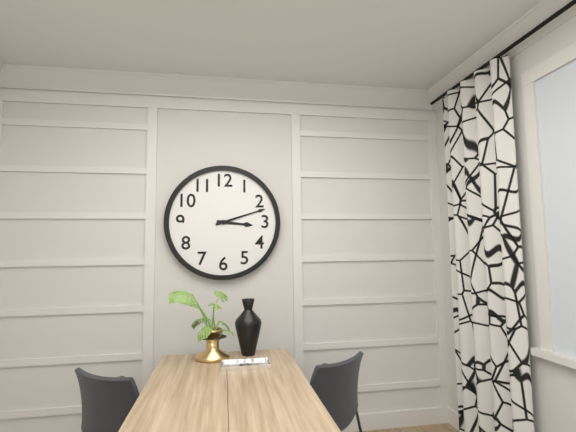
3:12
